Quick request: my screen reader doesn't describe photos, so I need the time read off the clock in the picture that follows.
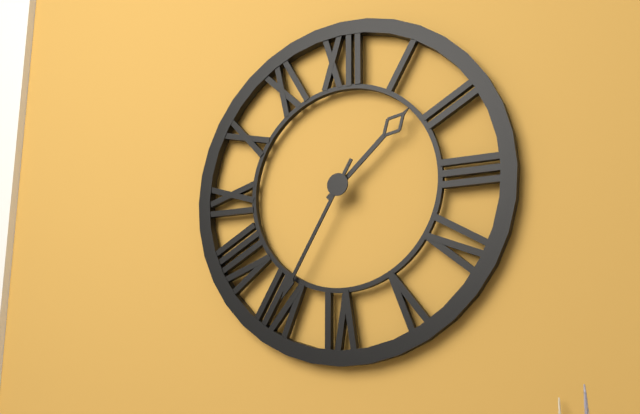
1:35
